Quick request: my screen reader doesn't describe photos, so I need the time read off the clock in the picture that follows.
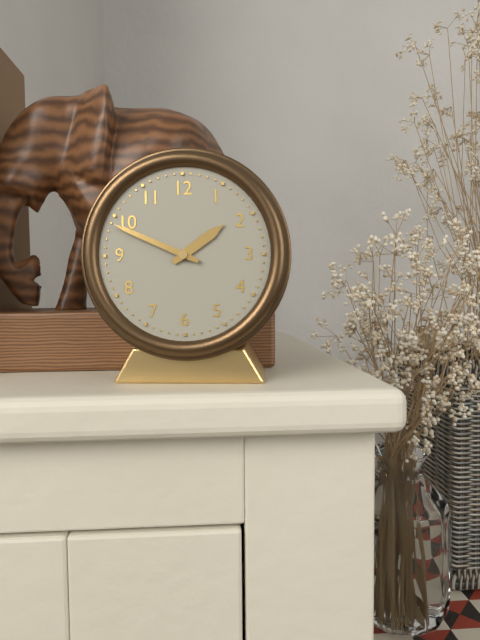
1:49
